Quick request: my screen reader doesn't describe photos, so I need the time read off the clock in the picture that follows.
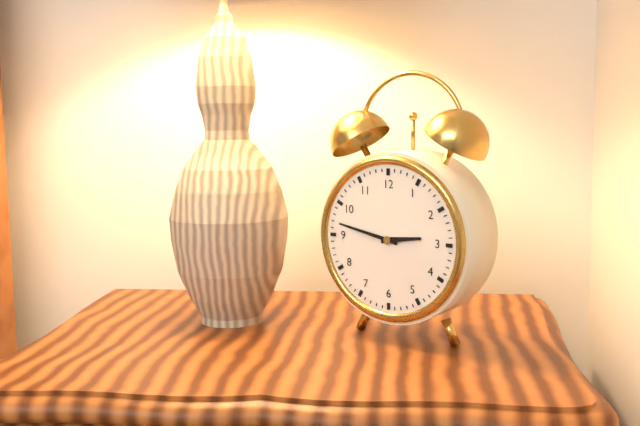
2:47
